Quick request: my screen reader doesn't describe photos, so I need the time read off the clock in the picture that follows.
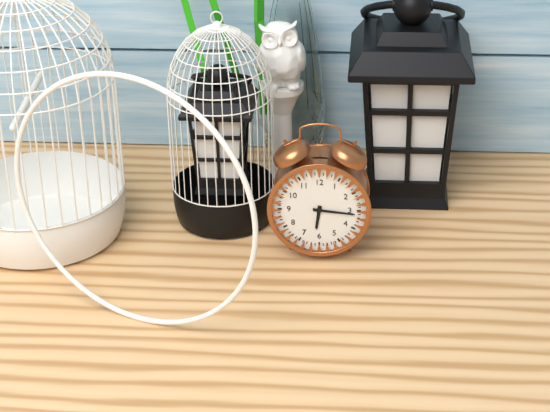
6:16
